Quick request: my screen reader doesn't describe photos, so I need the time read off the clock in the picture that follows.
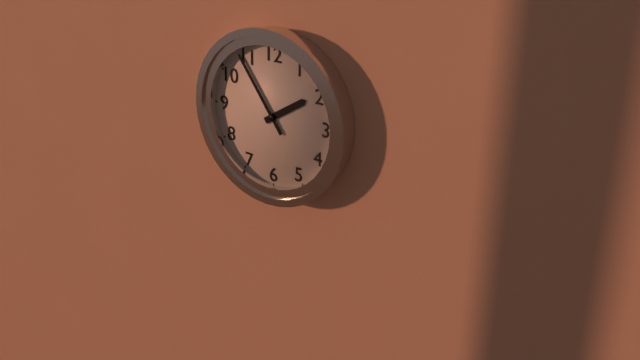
1:54
